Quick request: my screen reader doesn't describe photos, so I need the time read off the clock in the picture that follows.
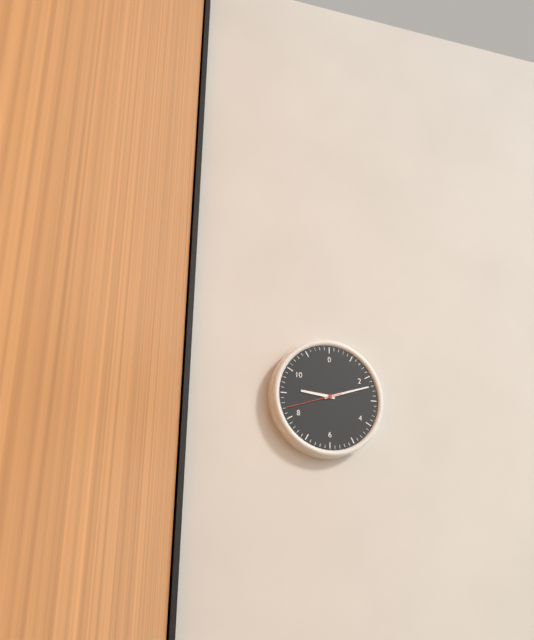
9:12:42
